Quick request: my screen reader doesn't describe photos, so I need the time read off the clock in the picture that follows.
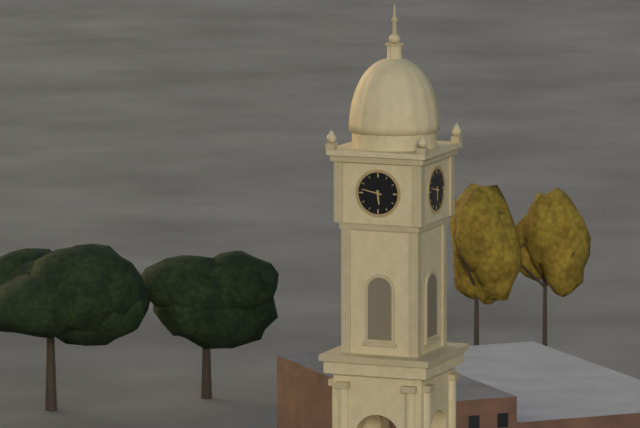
5:47
